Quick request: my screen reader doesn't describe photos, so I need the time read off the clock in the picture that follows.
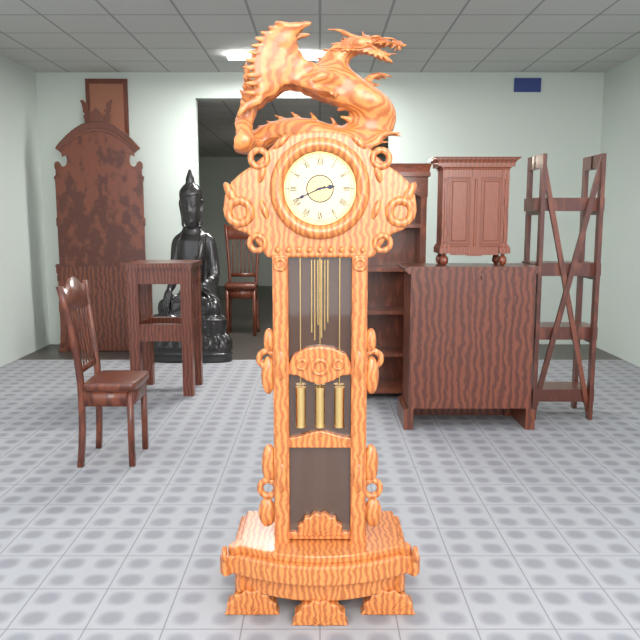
2:41
